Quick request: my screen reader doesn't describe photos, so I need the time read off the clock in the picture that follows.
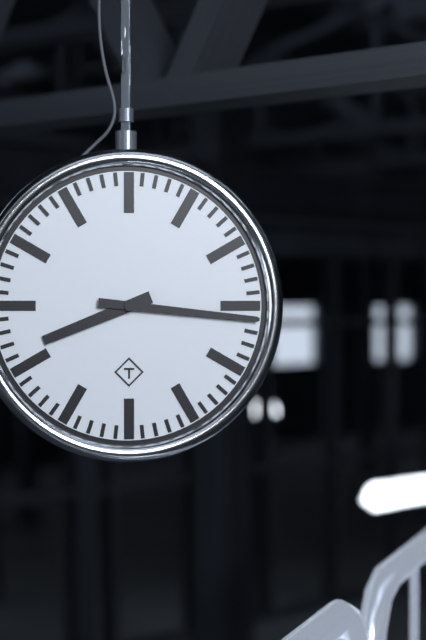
8:16
